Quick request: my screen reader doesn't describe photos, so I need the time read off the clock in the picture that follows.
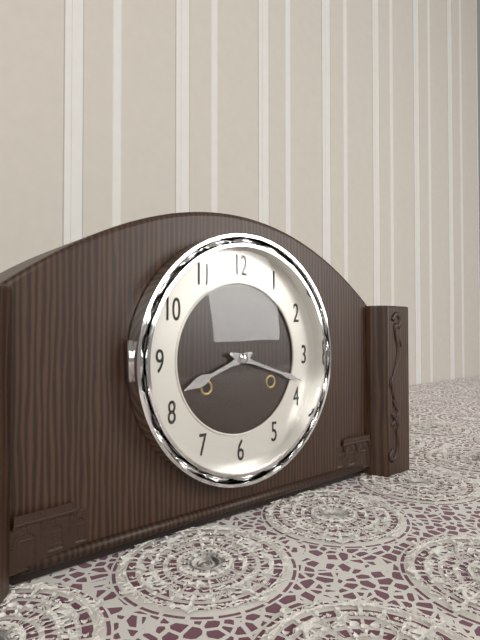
8:18
